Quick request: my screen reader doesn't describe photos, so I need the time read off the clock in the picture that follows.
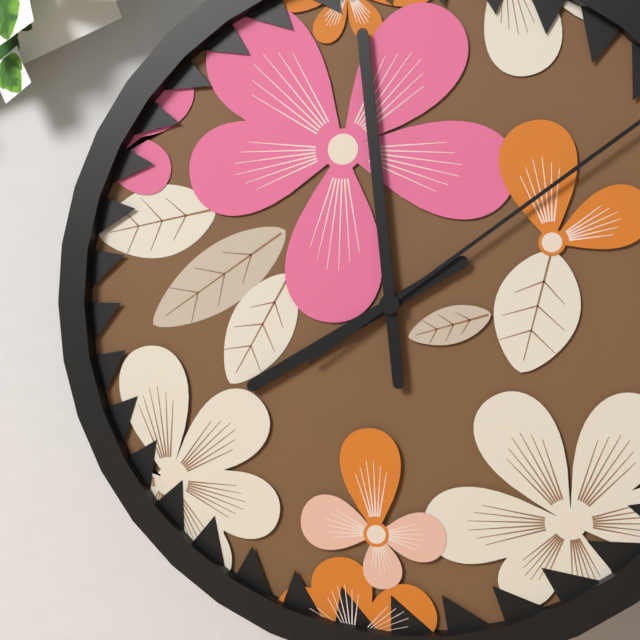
7:59
